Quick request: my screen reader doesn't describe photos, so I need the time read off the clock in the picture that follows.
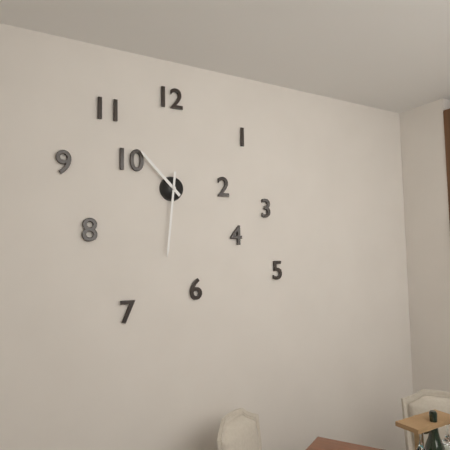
10:31
